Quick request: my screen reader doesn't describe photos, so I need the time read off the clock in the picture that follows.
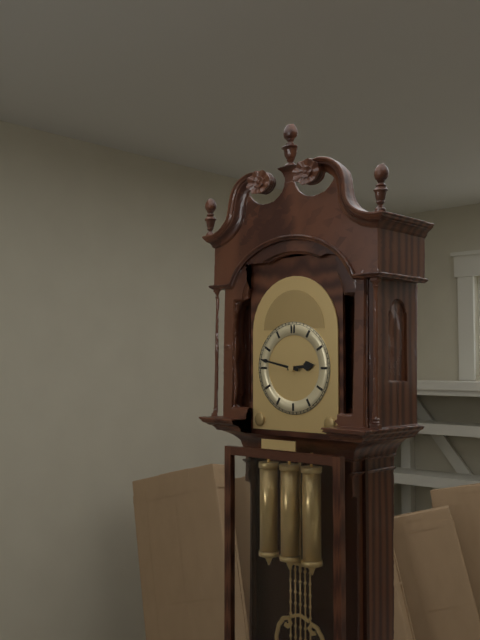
2:47
